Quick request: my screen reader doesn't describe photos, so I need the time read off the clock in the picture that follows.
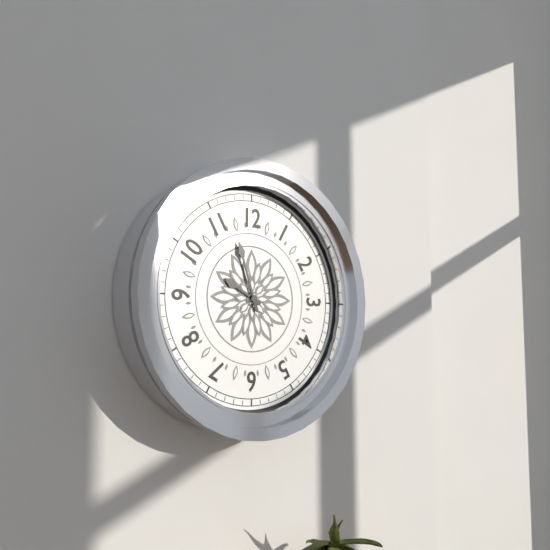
9:57
